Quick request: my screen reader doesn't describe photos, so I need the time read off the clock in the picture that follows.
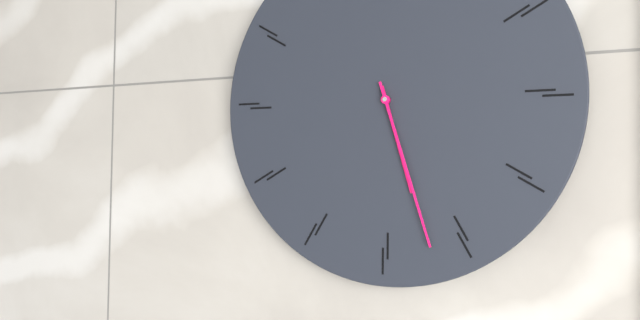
5:27
